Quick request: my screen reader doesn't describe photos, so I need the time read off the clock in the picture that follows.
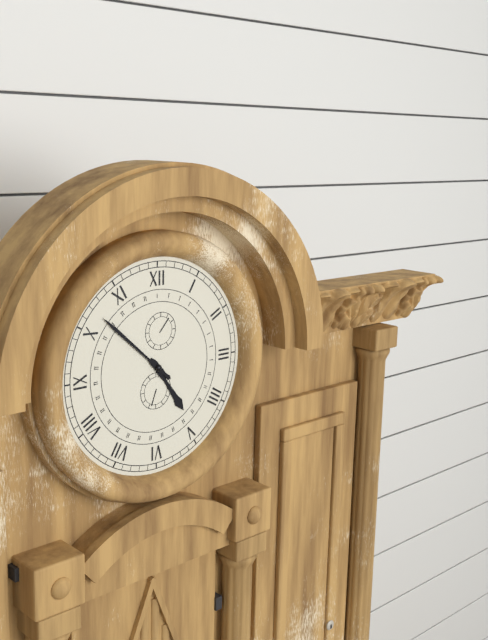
4:52
